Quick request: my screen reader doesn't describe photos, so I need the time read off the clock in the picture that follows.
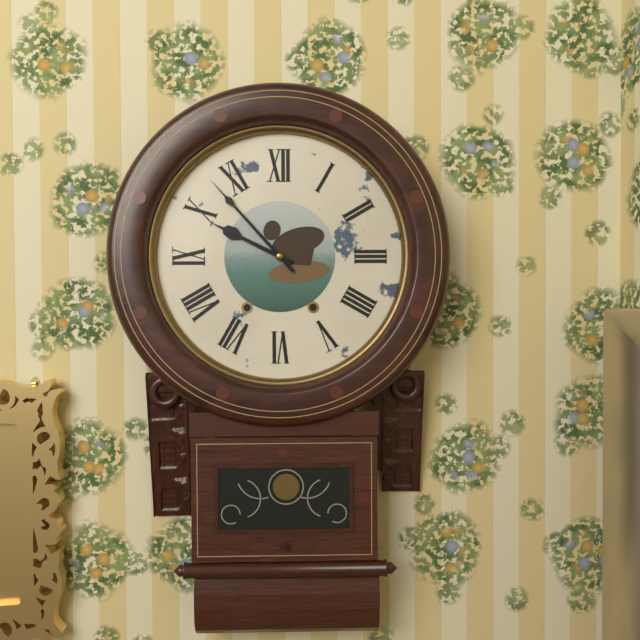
9:53
